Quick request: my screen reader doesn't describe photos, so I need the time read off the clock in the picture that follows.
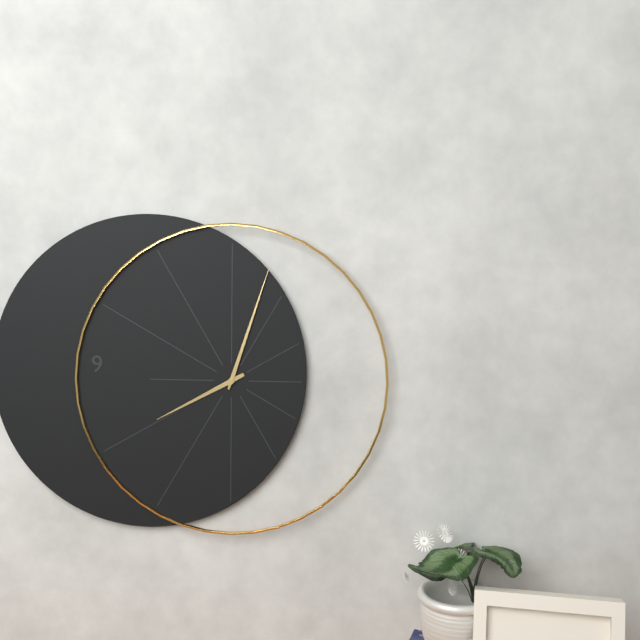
8:03
